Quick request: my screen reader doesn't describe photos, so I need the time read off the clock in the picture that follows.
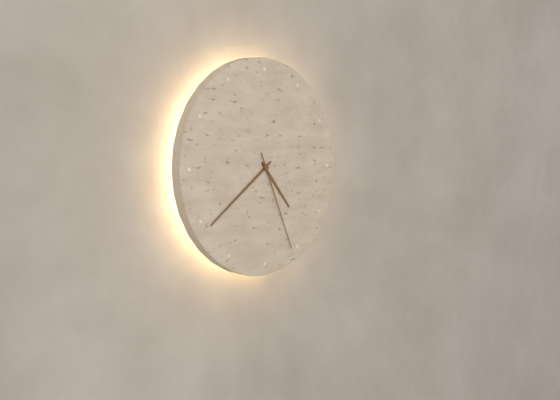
4:39:26
